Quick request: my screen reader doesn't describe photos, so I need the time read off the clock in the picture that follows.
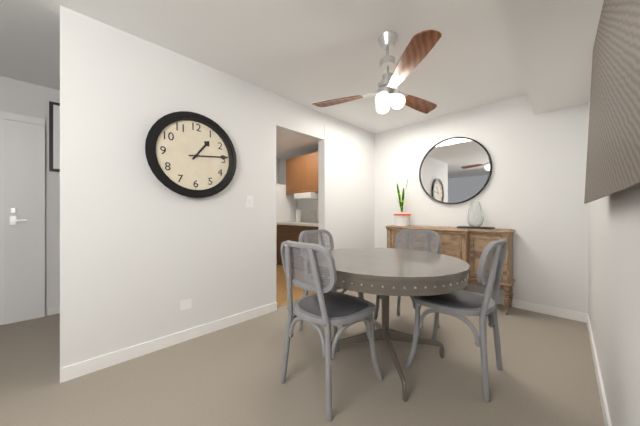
1:14
